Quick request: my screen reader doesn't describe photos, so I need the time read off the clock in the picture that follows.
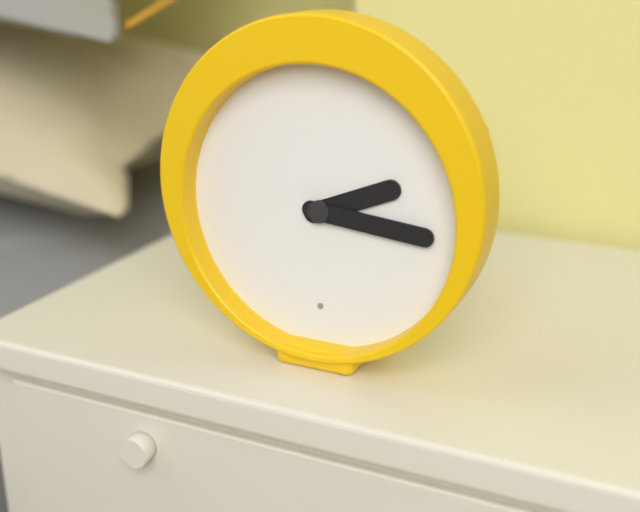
2:16
